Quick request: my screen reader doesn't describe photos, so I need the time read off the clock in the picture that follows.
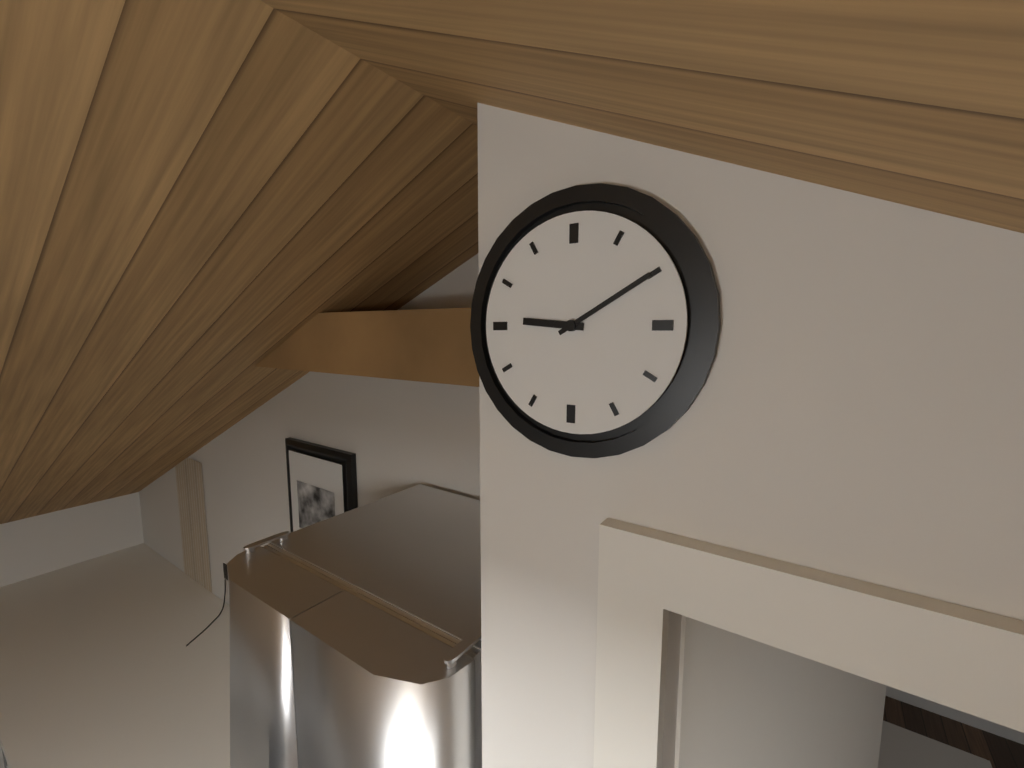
9:10
